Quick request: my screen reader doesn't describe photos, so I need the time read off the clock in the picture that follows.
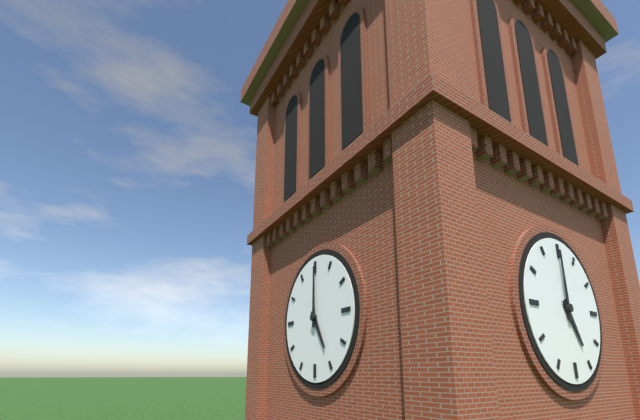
5:00
